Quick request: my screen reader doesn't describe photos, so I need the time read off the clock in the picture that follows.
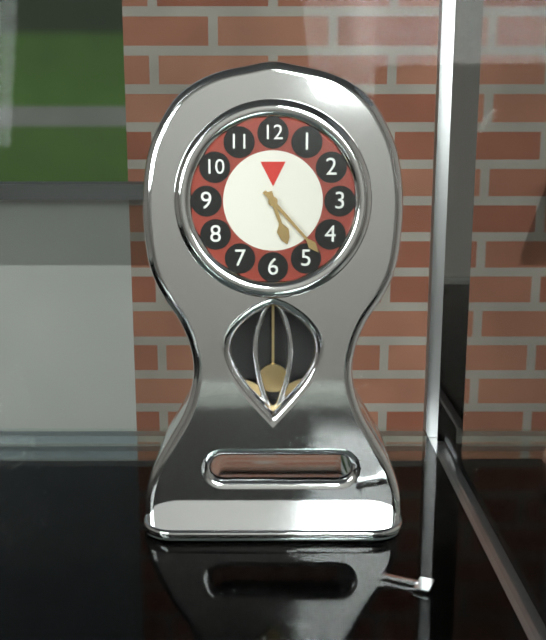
5:23
